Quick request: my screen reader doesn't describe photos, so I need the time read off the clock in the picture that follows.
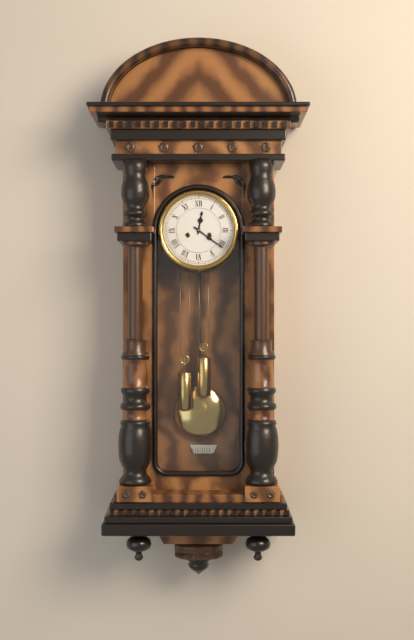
12:21
